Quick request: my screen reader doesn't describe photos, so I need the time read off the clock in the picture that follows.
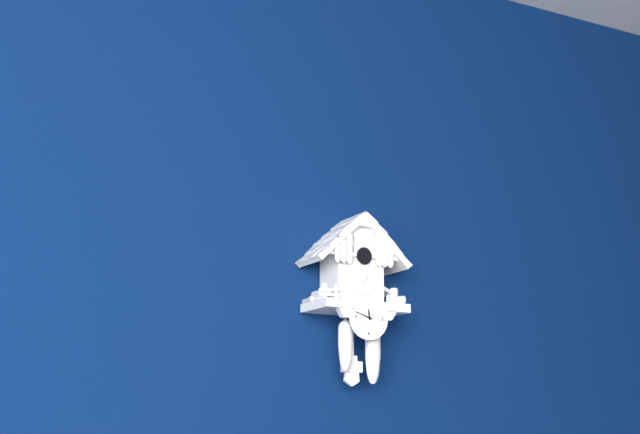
11:48
